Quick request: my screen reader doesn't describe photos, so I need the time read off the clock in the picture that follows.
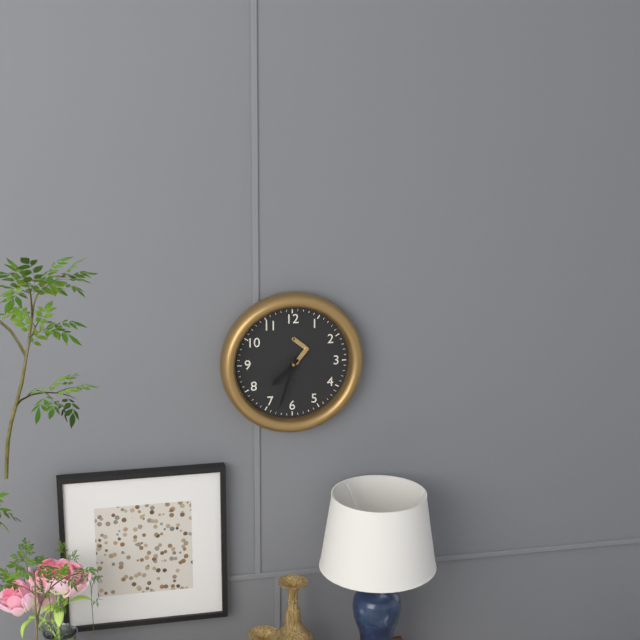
7:33
